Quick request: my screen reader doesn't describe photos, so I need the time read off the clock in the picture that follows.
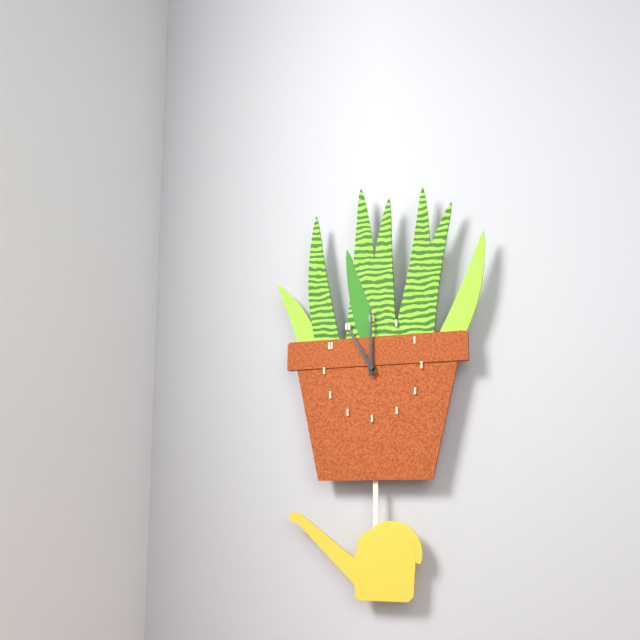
11:00
